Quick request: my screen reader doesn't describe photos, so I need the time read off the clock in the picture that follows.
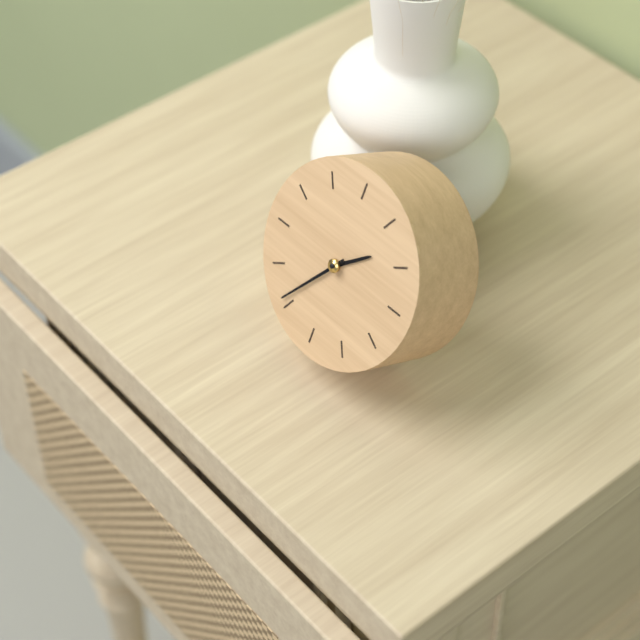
1:36
